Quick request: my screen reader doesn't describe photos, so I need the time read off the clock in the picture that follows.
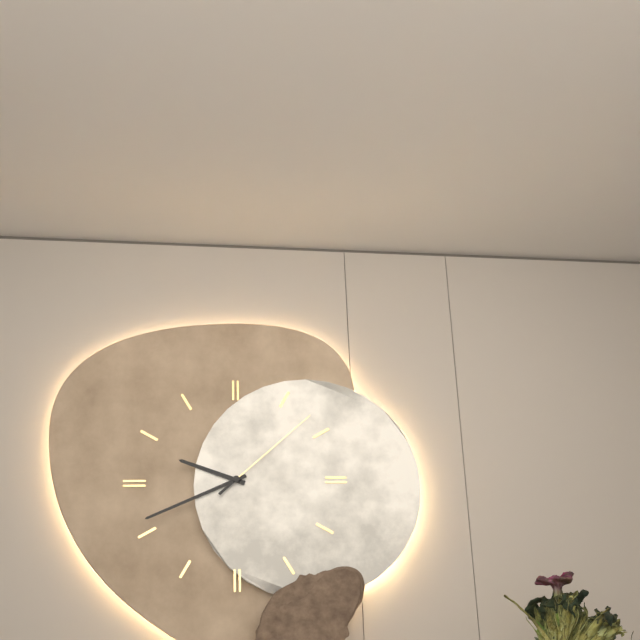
9:41:08
